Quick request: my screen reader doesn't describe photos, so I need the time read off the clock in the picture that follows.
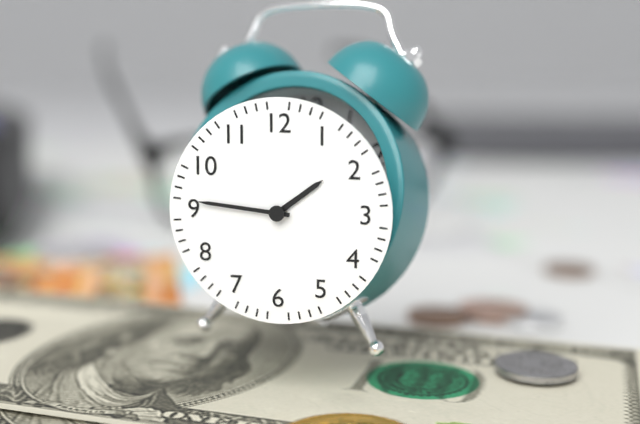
1:46
